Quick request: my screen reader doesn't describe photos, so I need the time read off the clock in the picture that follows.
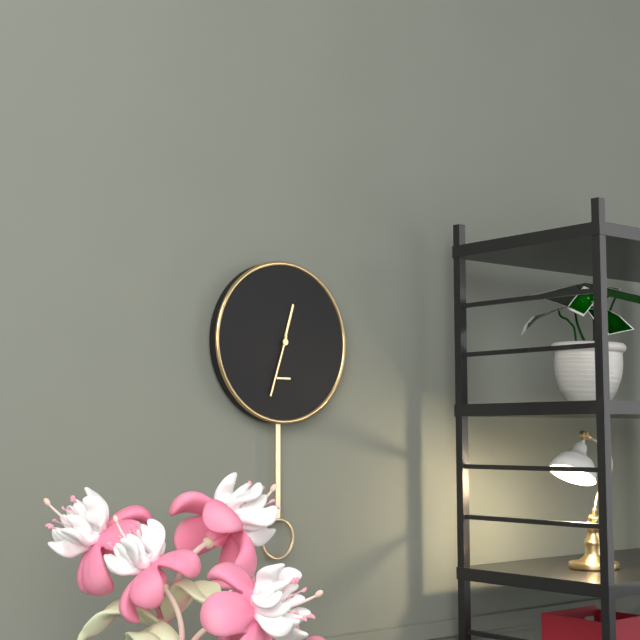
12:33
